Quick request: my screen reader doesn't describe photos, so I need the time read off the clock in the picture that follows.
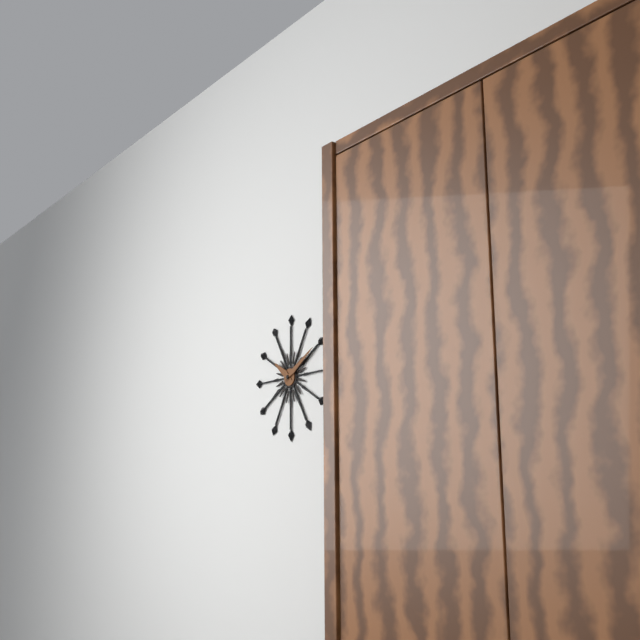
10:10
